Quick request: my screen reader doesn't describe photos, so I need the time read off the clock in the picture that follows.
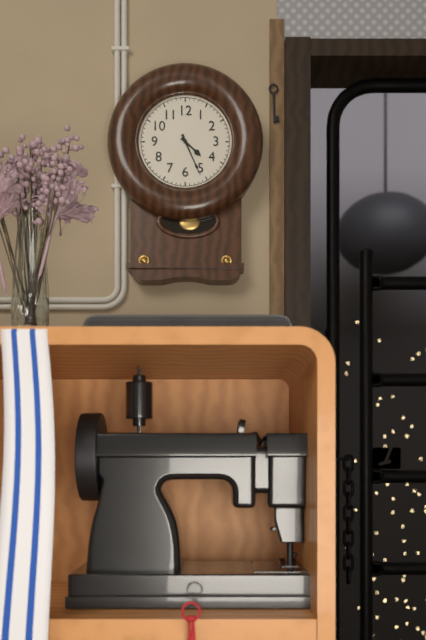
4:26
